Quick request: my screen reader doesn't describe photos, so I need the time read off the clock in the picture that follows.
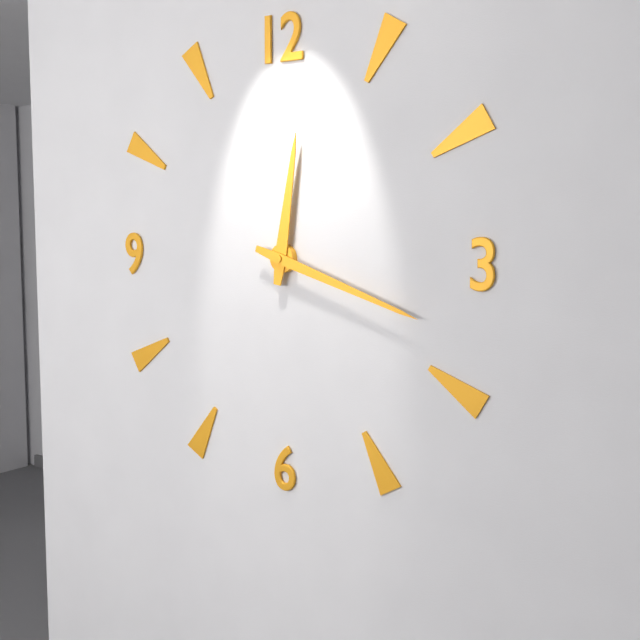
12:18
